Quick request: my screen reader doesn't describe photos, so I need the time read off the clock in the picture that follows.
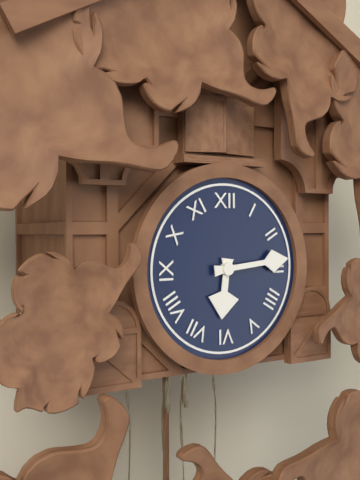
6:14
